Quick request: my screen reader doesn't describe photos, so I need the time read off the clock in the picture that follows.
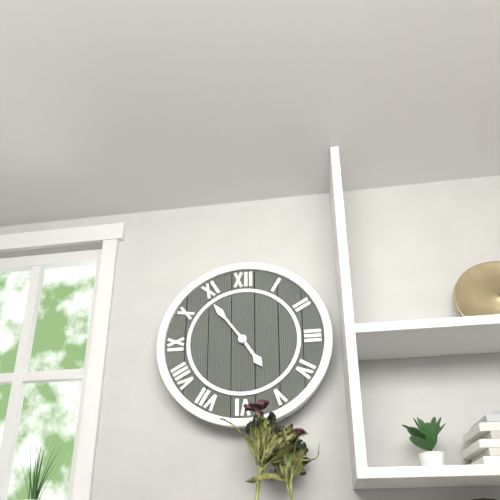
4:54
